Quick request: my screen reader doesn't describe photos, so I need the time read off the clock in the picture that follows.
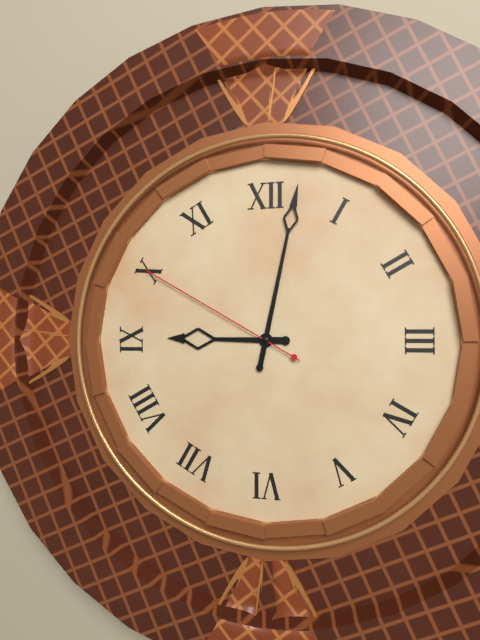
9:02:50
